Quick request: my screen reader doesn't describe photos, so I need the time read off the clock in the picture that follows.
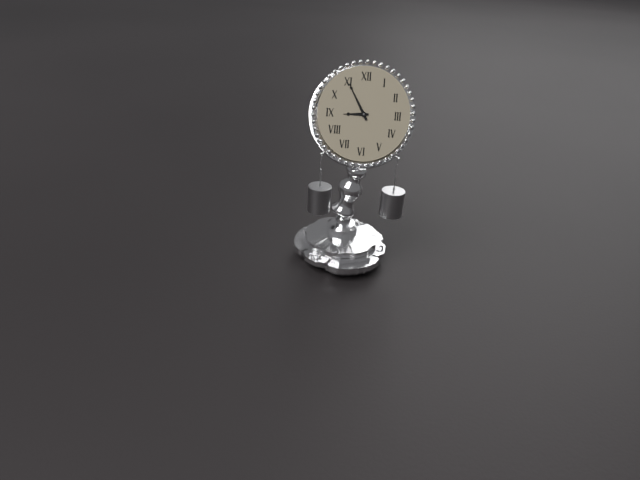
8:55
